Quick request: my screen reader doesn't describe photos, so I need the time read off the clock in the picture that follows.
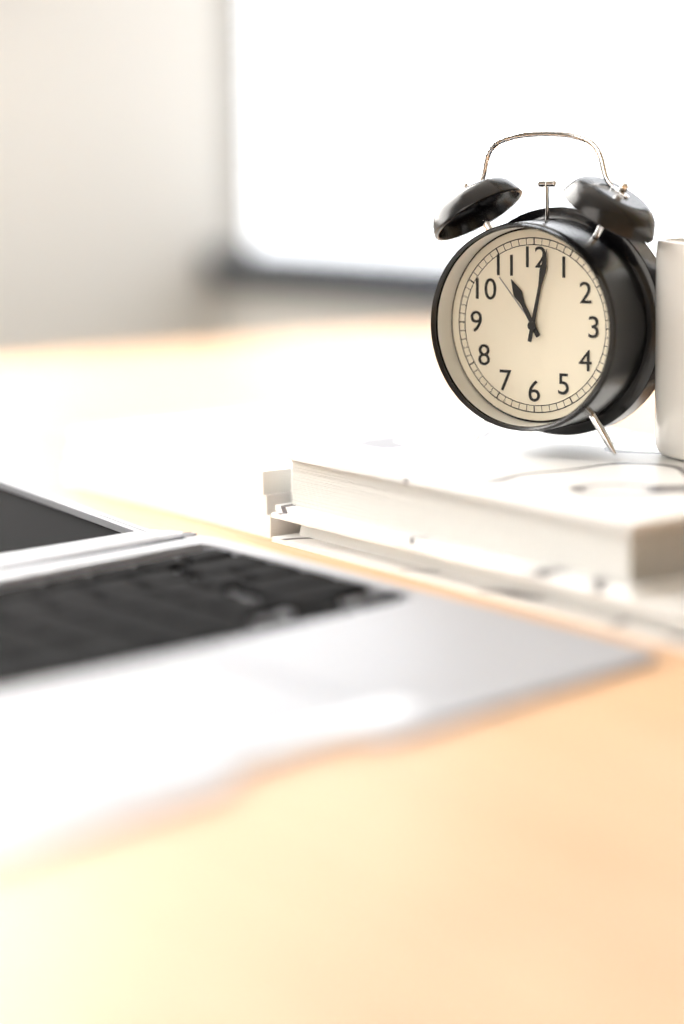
11:02
